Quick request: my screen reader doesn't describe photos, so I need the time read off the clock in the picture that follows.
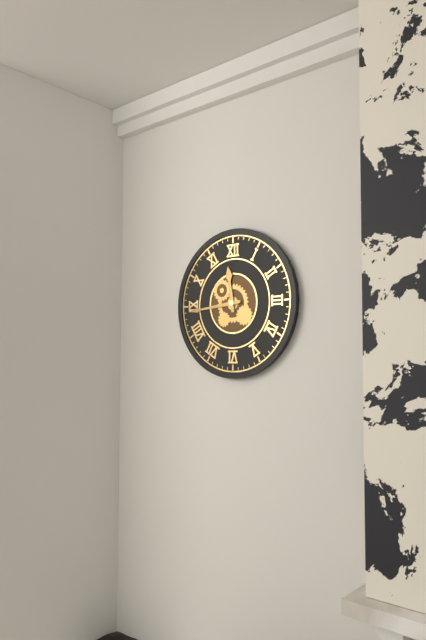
11:44
